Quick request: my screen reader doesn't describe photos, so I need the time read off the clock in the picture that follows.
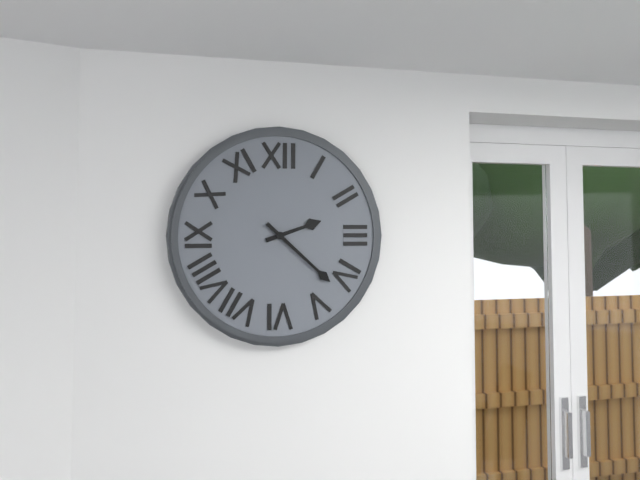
2:22
